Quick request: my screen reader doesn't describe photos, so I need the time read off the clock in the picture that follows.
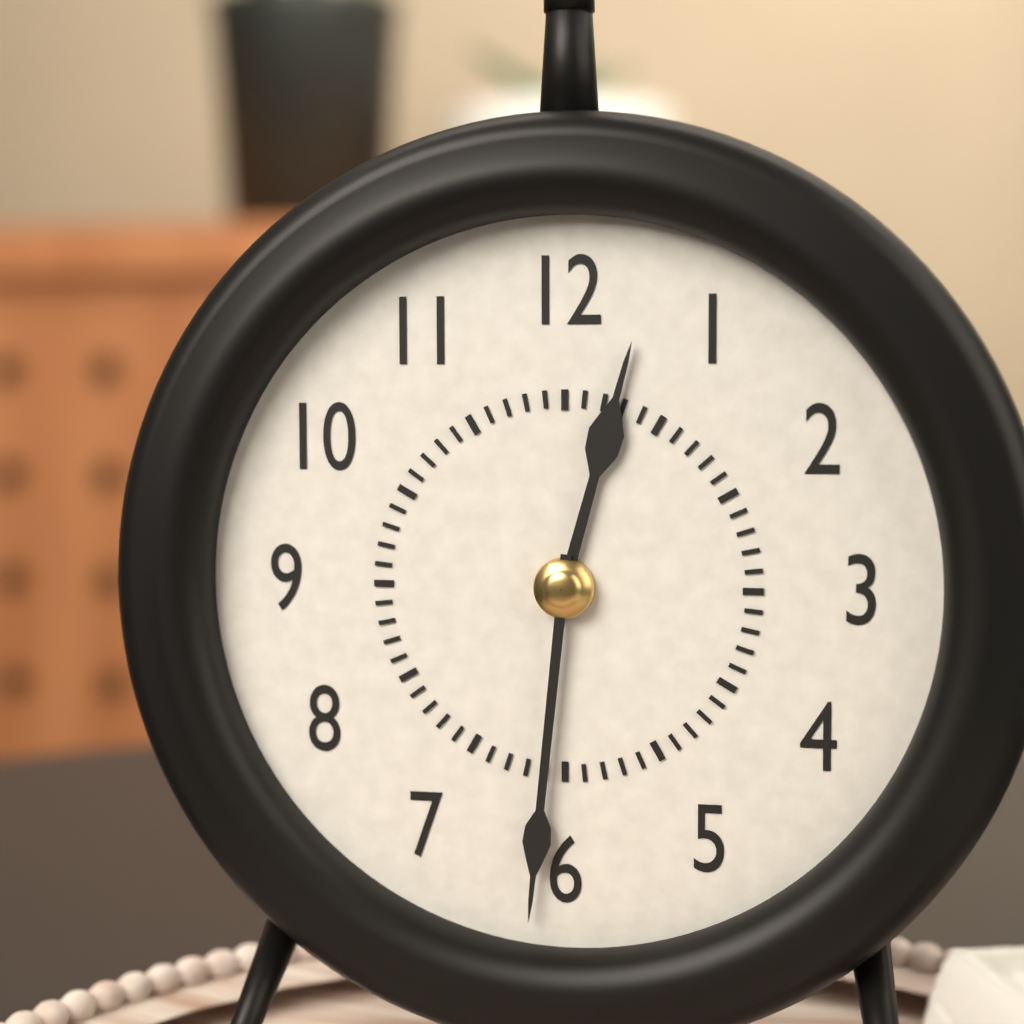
12:31
